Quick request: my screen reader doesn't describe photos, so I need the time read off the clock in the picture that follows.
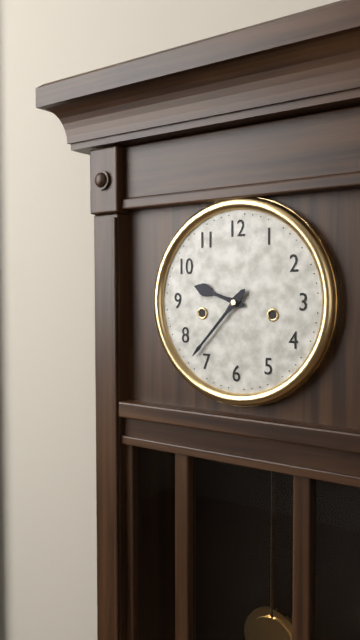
9:37
